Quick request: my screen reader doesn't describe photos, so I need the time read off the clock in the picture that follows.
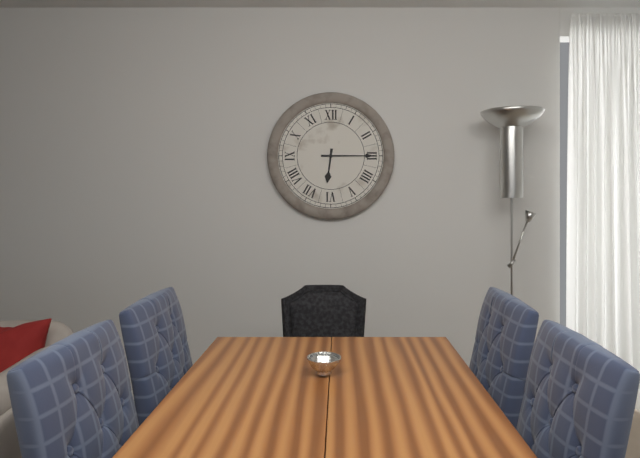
6:15
